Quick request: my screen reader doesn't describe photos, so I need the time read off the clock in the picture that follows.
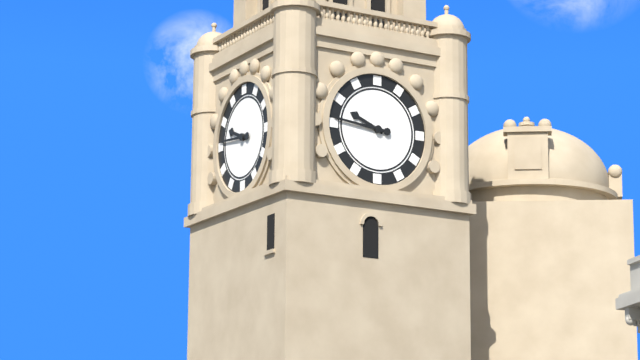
9:46
